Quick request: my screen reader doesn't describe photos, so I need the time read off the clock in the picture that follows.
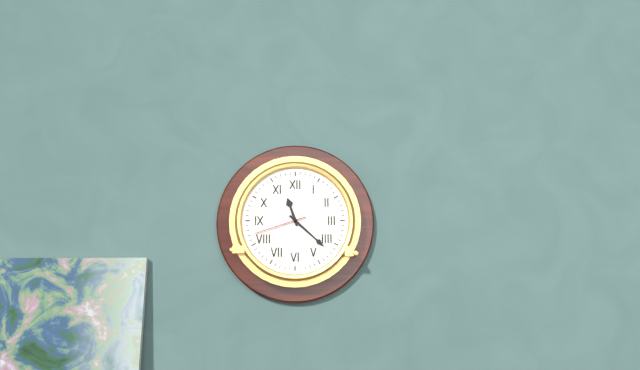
11:22:42
